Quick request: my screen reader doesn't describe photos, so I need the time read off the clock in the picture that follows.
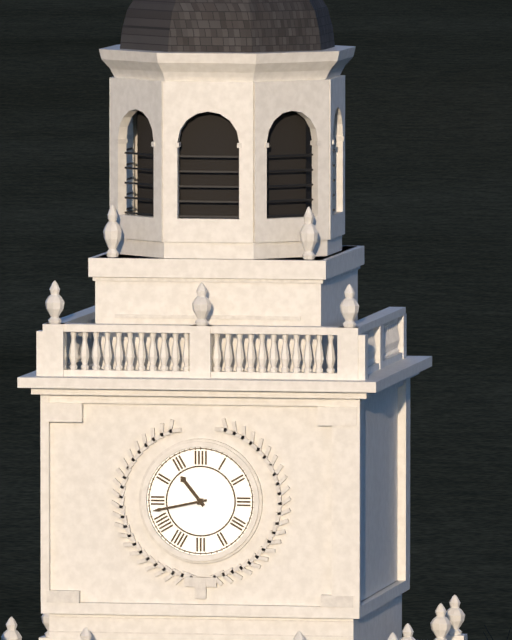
10:43
